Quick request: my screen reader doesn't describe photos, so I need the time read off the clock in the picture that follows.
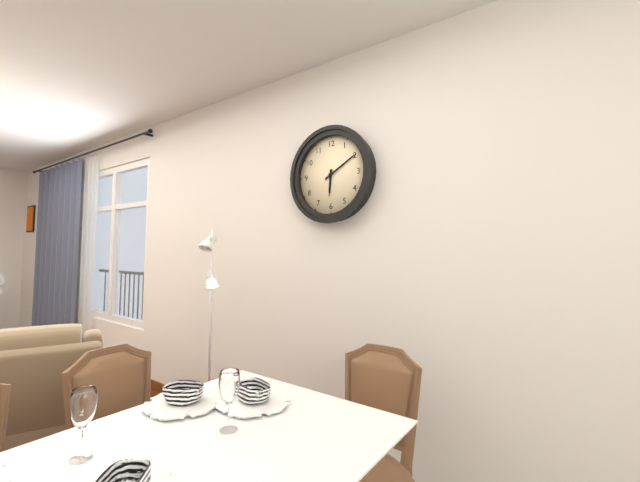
6:10
